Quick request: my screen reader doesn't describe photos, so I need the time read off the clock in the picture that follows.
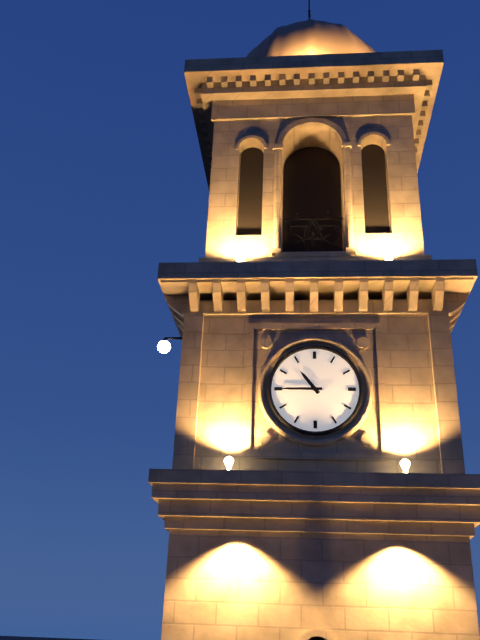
10:45
